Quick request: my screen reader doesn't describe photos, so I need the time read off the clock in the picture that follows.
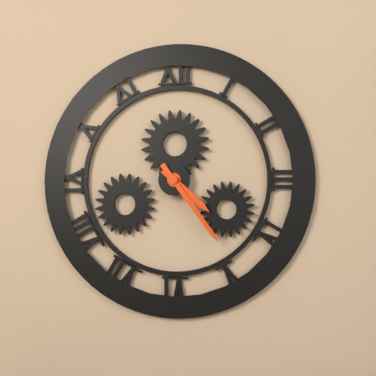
4:24
